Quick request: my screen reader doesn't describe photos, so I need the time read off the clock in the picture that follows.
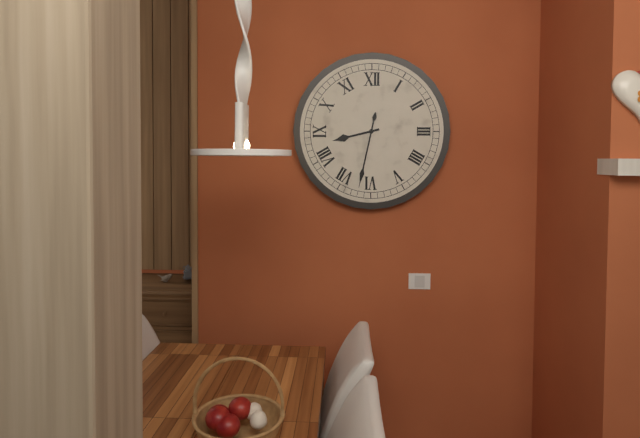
8:32
